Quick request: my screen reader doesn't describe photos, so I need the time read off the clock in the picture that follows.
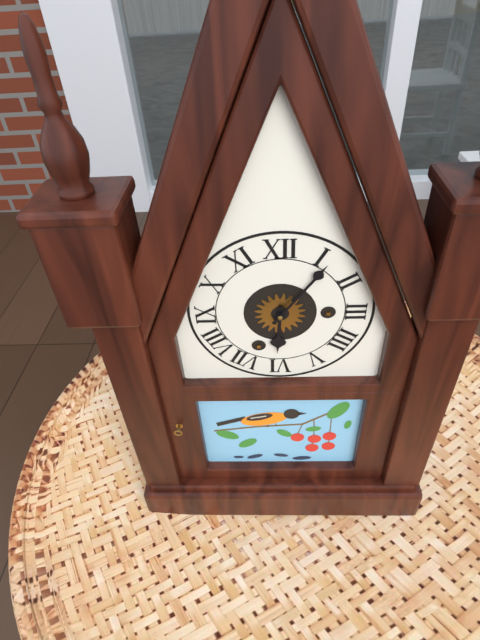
6:06
